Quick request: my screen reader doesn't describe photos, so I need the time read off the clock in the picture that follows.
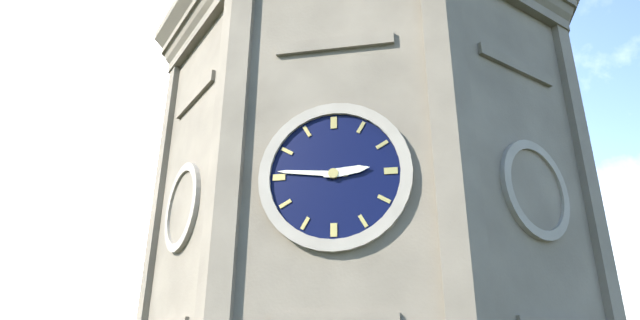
2:46
